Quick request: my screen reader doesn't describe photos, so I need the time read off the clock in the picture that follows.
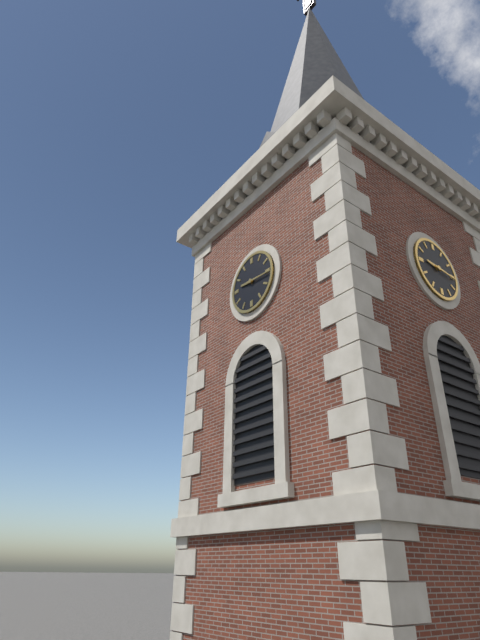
9:16
